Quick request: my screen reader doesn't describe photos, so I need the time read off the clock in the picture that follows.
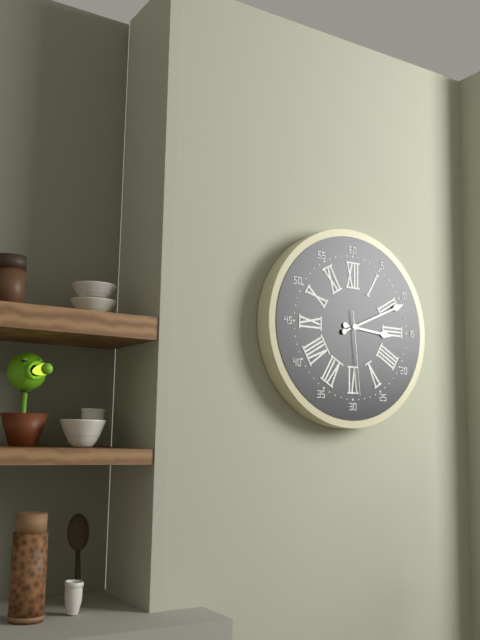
3:11:29
